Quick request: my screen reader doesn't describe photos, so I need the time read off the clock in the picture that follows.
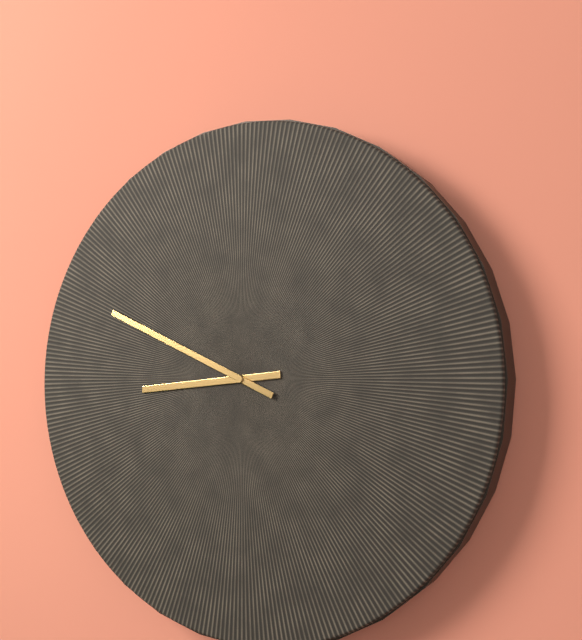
8:49
